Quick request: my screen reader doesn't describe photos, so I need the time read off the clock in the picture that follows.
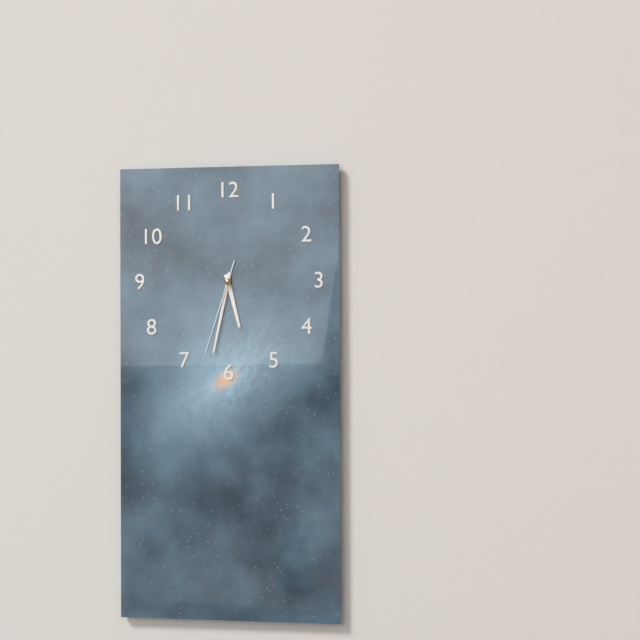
5:32:33
